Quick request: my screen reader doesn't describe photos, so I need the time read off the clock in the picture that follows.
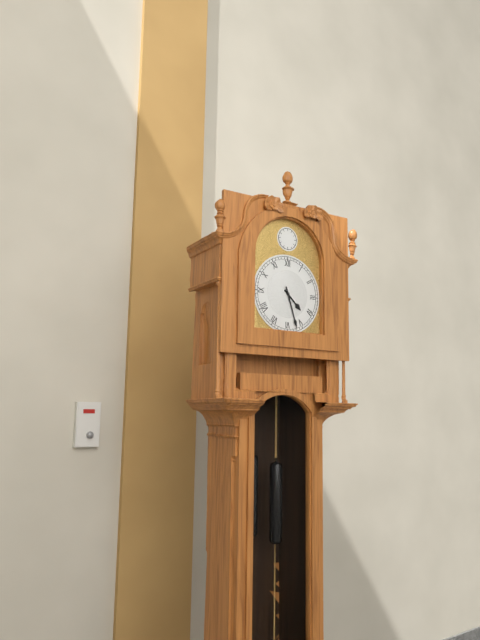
4:27
